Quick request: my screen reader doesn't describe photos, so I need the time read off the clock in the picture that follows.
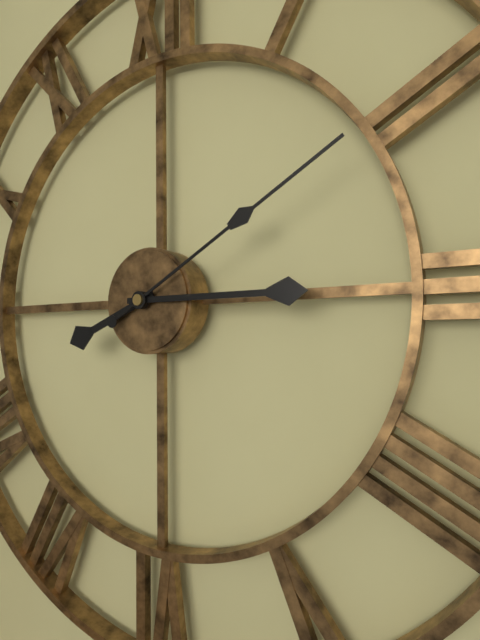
8:15:10
